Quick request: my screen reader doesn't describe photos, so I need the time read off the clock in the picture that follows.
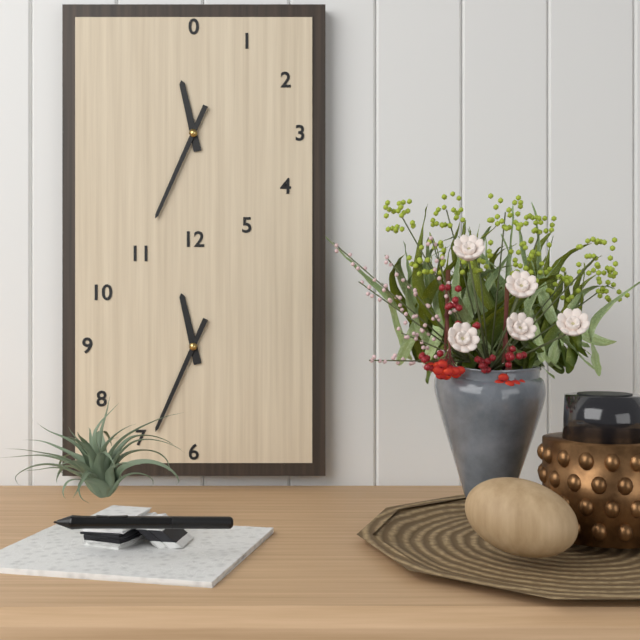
11:34
